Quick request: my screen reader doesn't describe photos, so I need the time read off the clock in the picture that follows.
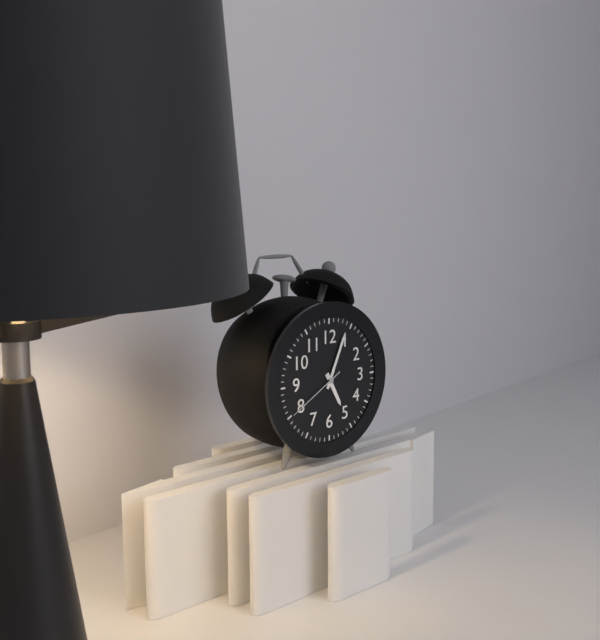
5:04:40
